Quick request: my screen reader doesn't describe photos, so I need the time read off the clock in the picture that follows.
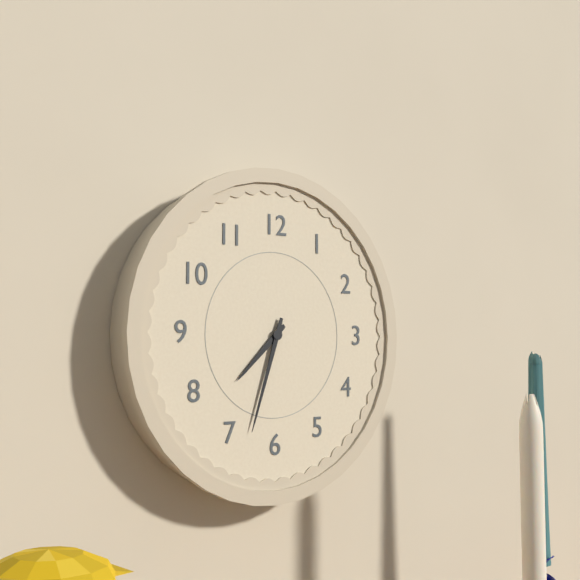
7:33
